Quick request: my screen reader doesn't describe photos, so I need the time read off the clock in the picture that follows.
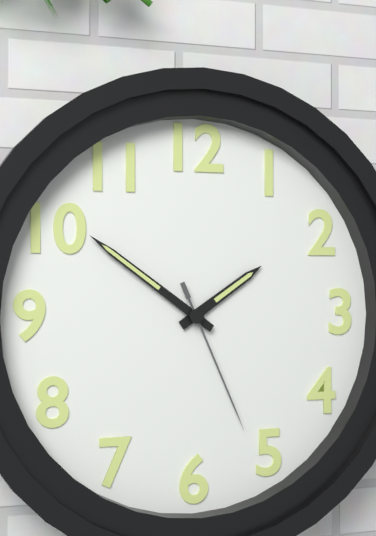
1:51:26
